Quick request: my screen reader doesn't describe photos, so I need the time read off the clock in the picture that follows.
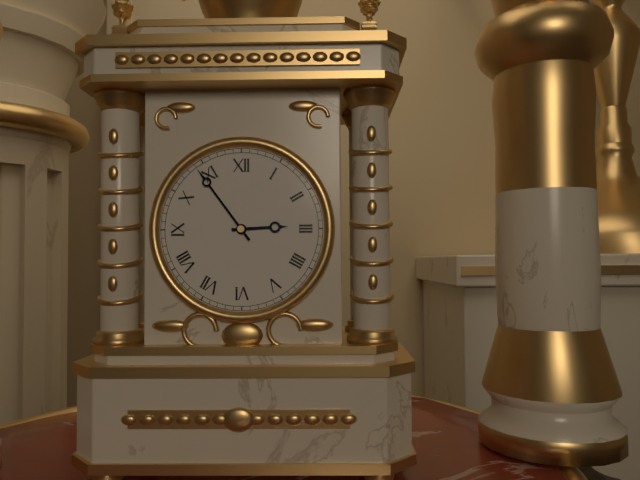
2:54
